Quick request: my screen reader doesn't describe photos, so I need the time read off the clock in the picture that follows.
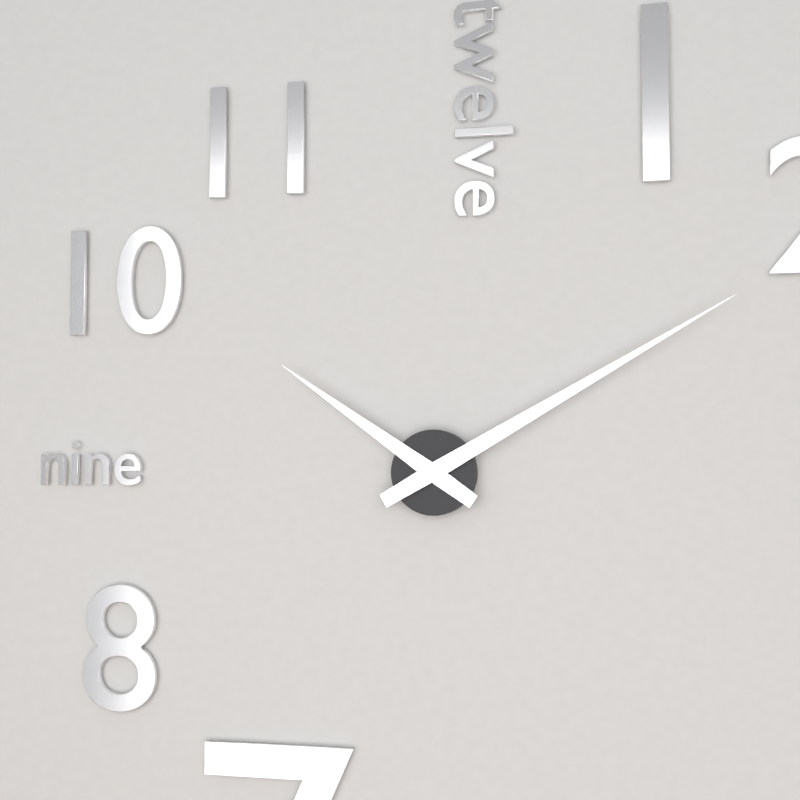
10:10
